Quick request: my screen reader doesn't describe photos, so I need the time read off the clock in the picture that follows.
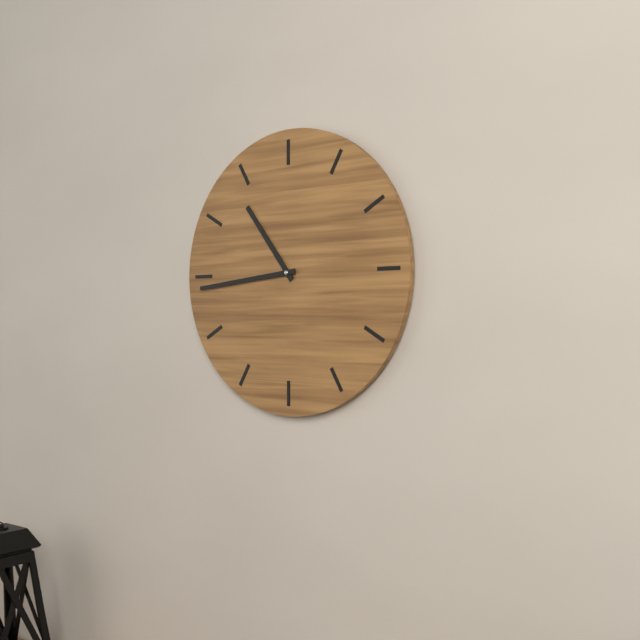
10:44
